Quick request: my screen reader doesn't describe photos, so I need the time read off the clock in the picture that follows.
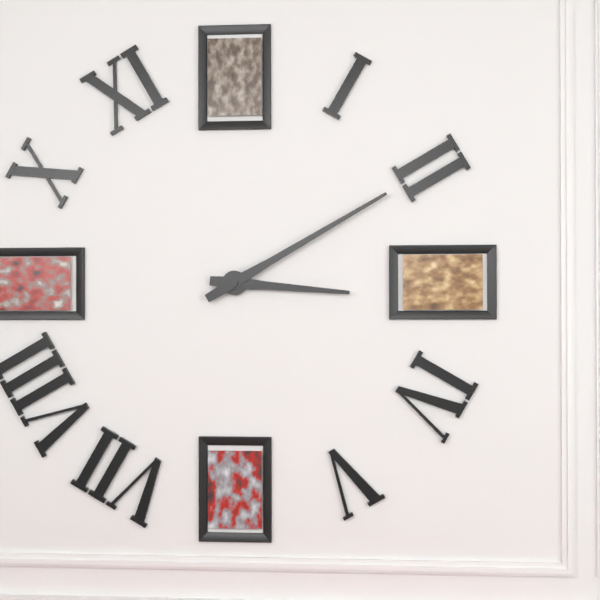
3:10
